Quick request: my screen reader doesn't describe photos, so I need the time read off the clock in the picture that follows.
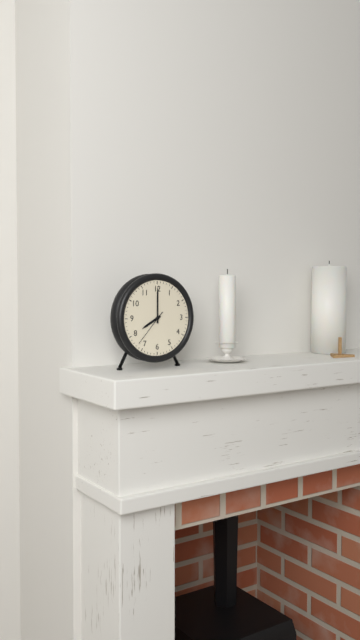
8:00
